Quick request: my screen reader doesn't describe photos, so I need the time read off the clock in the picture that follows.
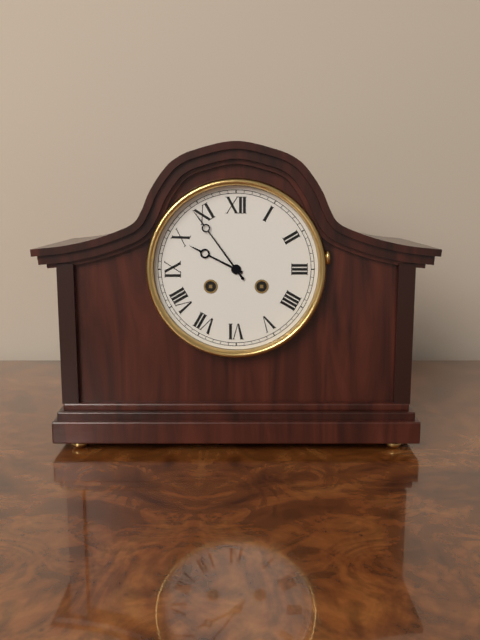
9:54
